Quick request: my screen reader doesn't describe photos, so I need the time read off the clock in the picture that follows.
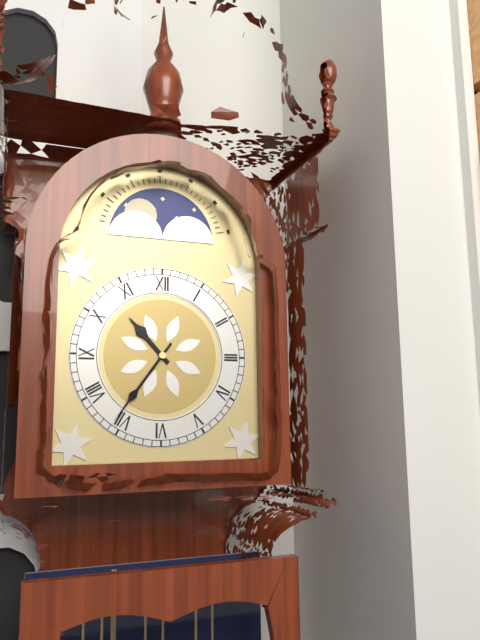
10:36
